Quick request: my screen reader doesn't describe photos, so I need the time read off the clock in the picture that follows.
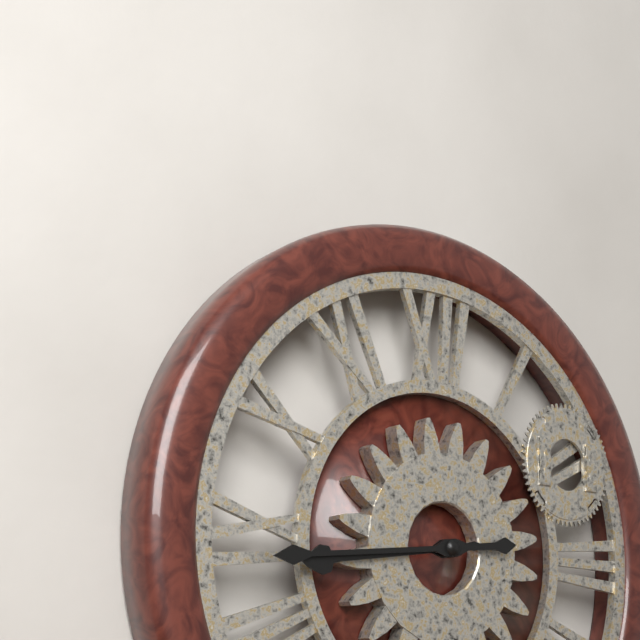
8:44
